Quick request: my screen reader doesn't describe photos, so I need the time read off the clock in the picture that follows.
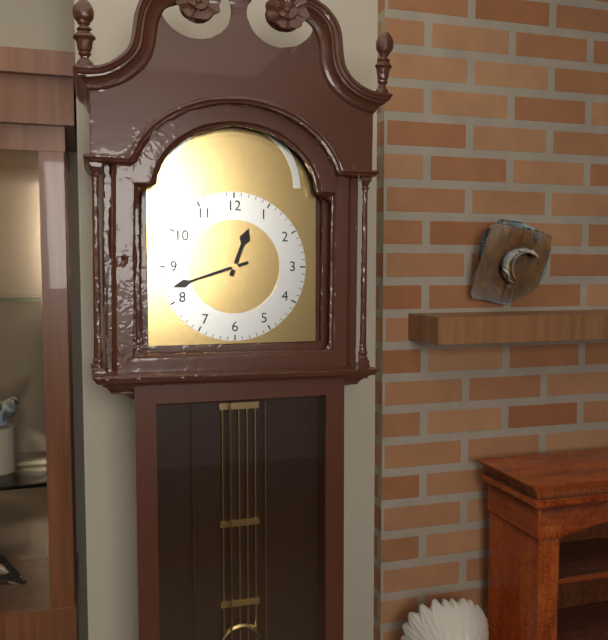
12:42
